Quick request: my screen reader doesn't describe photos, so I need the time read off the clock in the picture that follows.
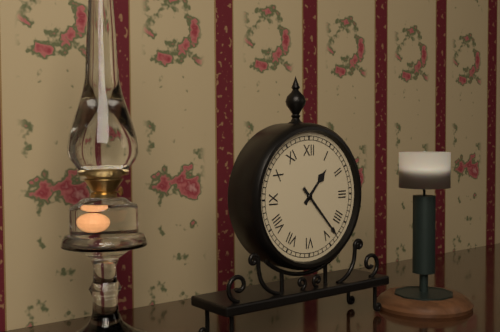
1:23
